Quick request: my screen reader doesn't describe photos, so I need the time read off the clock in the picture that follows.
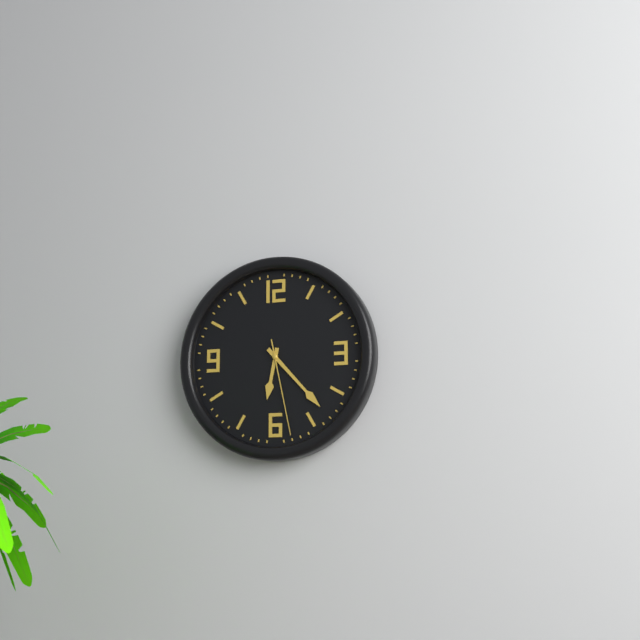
6:23:28
